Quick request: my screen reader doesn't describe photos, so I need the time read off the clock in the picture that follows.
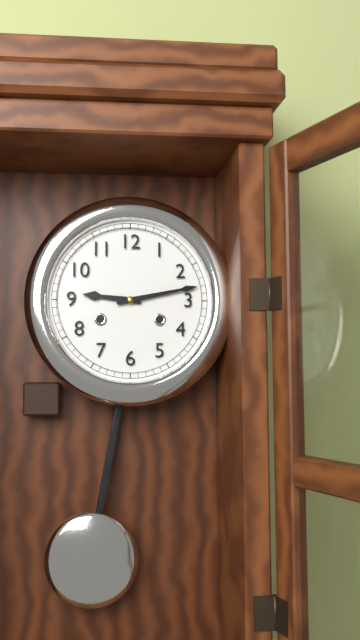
9:13
